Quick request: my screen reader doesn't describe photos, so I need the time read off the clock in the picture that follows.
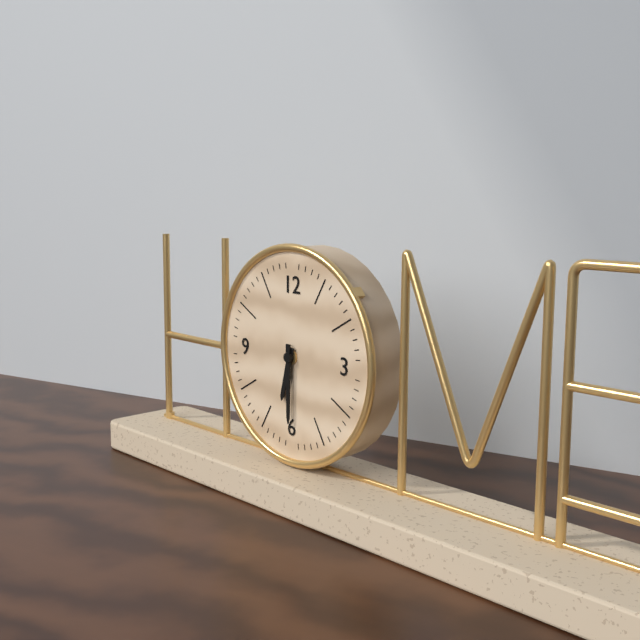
6:30
